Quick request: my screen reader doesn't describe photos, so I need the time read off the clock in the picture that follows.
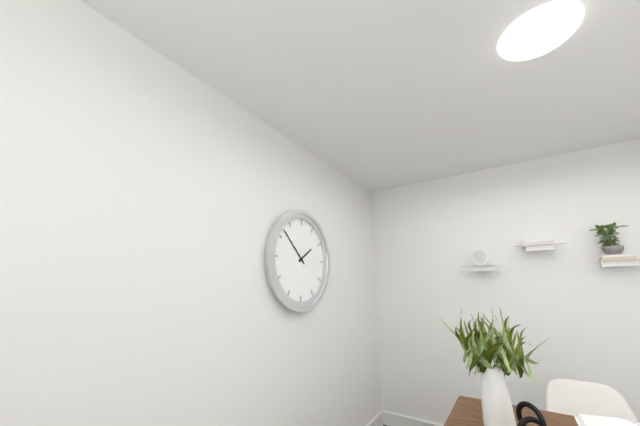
1:52
